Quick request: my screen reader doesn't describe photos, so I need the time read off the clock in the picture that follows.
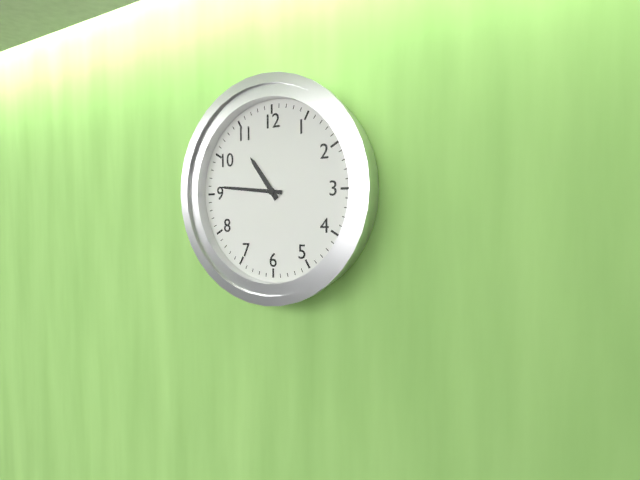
10:46
